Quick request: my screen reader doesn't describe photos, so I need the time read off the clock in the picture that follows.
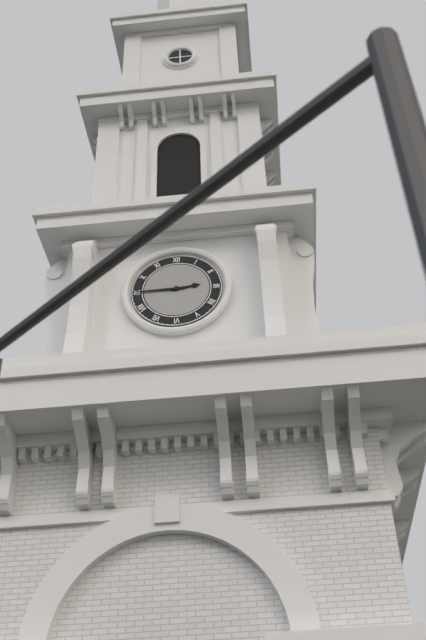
2:45
